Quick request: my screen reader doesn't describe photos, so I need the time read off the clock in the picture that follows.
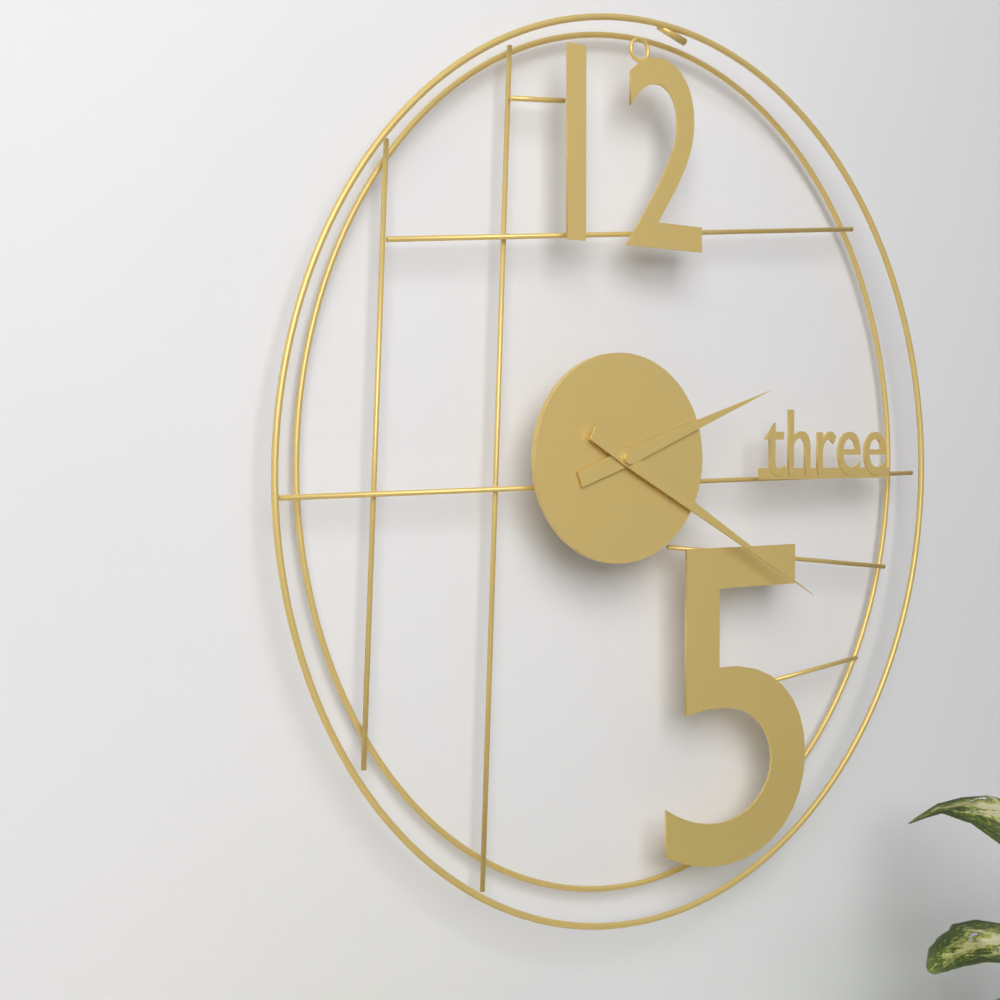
2:20
